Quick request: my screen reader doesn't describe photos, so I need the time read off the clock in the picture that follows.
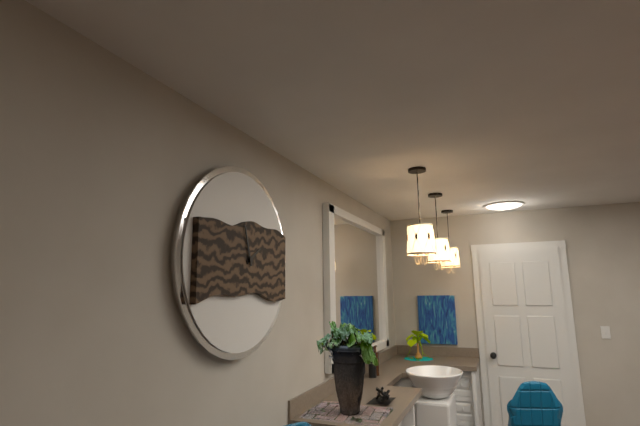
1:57
